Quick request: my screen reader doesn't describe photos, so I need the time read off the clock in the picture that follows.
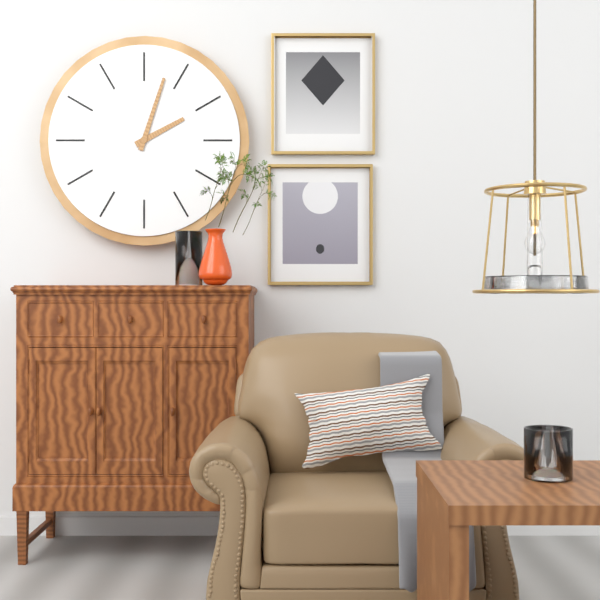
2:03
